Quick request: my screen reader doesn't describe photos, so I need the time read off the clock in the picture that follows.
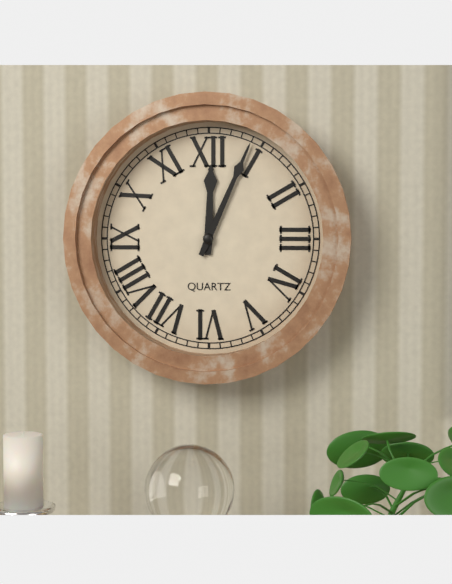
12:04
